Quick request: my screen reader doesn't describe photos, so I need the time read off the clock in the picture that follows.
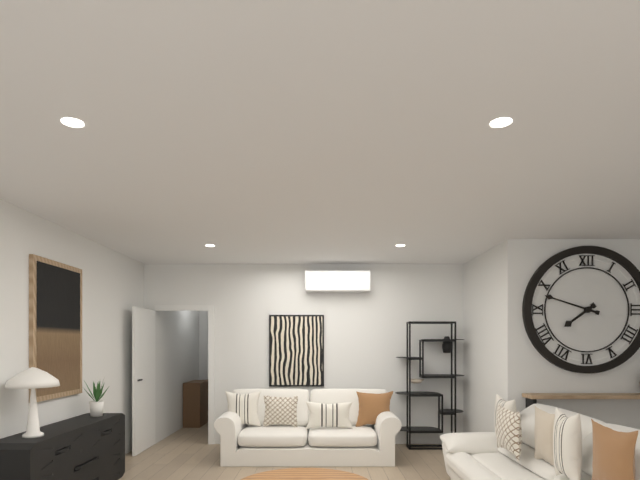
7:48
